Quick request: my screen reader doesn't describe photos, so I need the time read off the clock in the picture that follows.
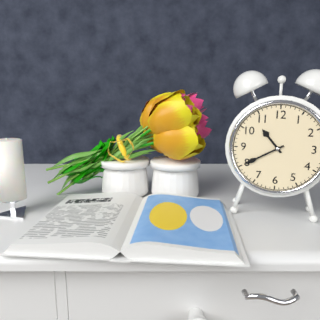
10:40
